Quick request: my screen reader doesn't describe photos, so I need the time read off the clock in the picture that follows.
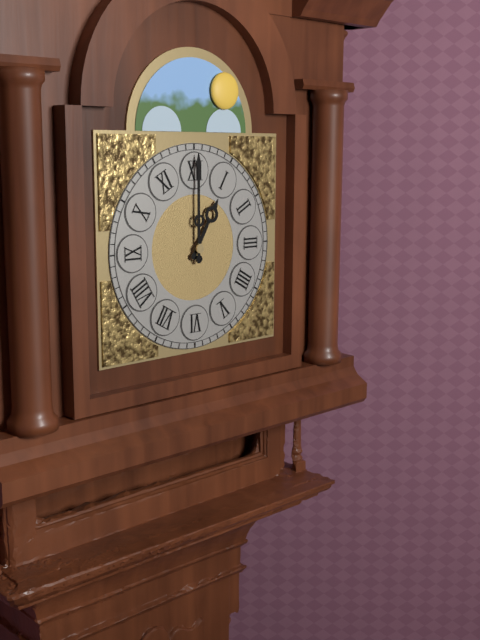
1:00
